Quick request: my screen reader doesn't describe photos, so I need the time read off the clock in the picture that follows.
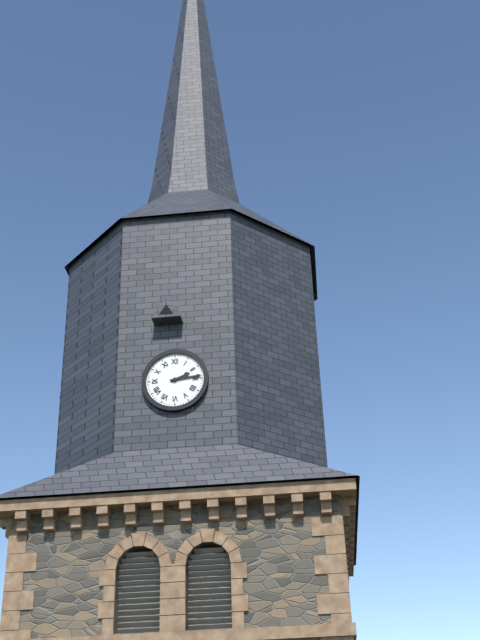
2:14
